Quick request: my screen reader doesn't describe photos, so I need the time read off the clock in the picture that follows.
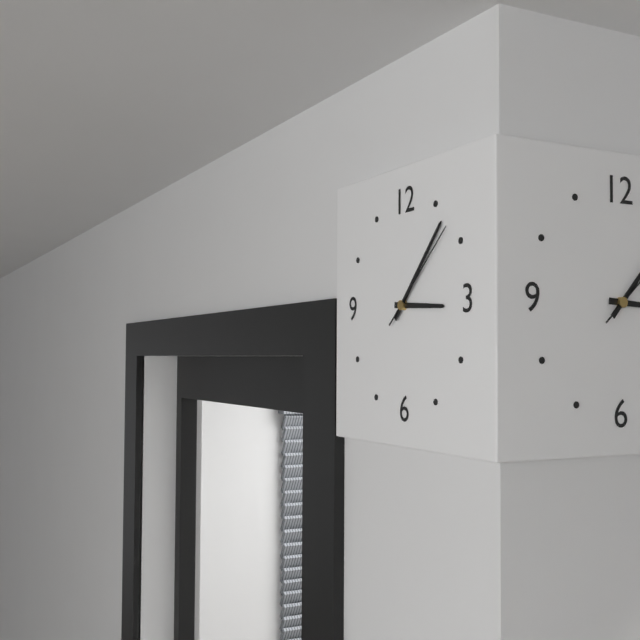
3:07:08
